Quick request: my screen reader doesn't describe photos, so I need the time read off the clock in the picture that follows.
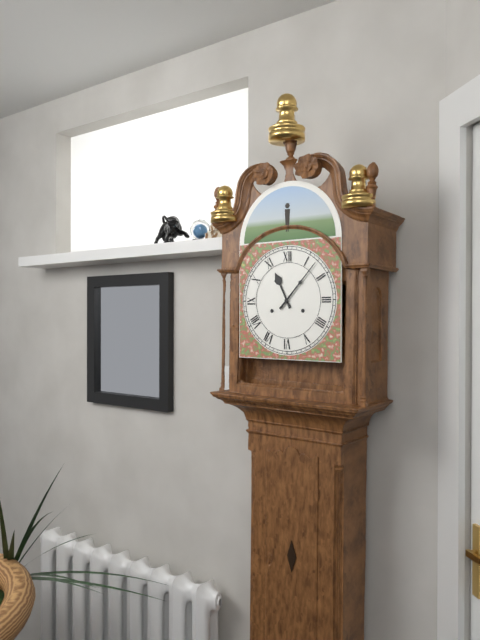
11:07
